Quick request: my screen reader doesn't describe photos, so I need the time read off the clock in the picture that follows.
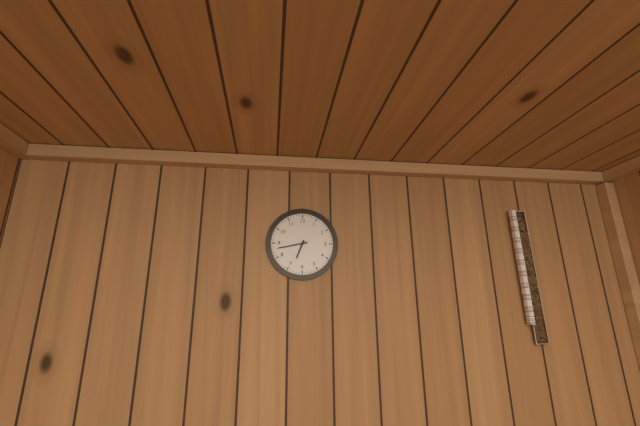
6:43
